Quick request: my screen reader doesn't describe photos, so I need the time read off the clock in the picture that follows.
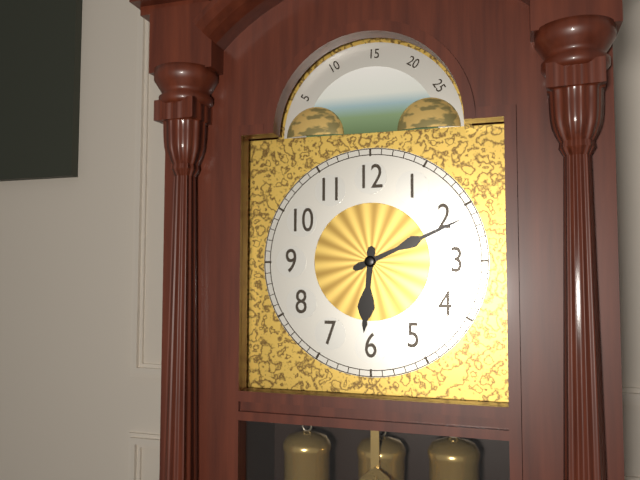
6:11
